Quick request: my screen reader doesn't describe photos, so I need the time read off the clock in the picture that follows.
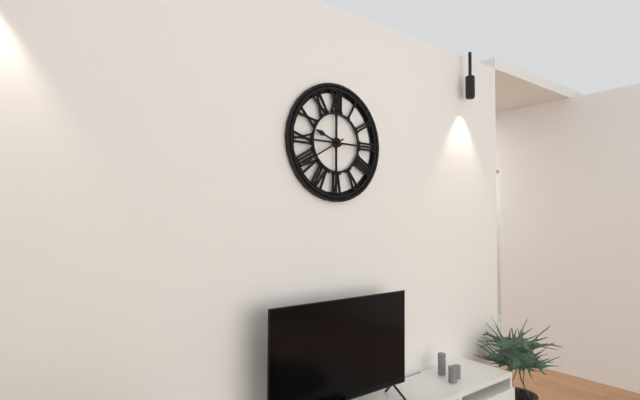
9:40
